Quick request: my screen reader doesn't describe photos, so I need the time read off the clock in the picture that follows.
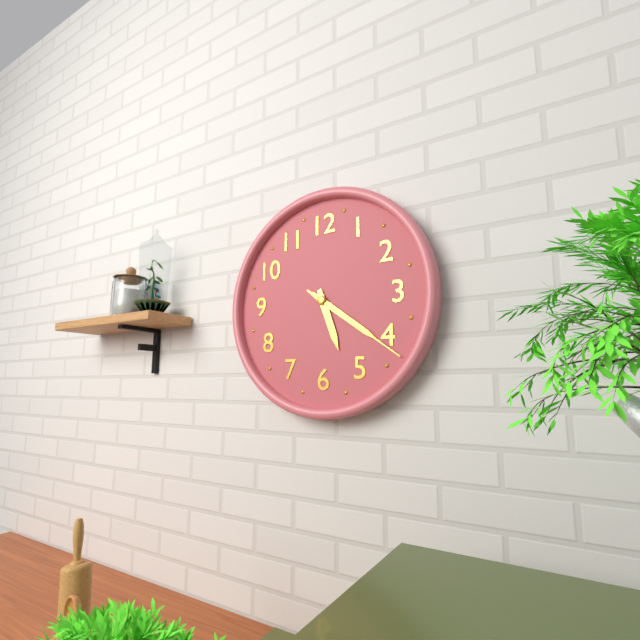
5:21:21
